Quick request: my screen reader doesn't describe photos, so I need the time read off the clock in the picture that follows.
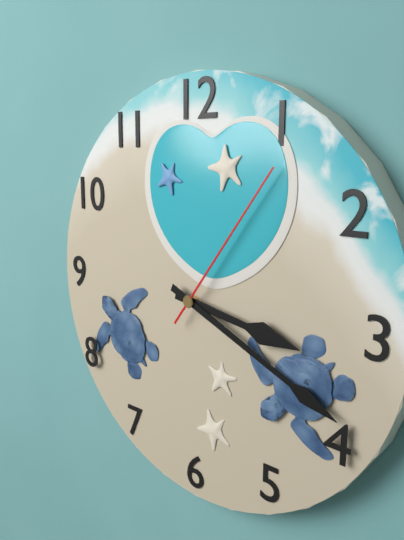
3:19:06
